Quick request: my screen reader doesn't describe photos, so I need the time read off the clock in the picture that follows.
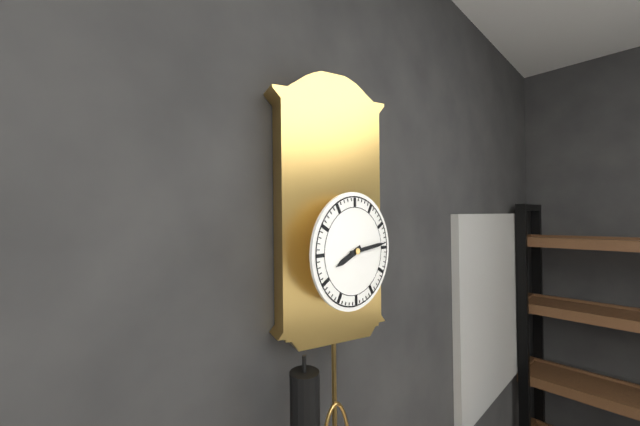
8:14
